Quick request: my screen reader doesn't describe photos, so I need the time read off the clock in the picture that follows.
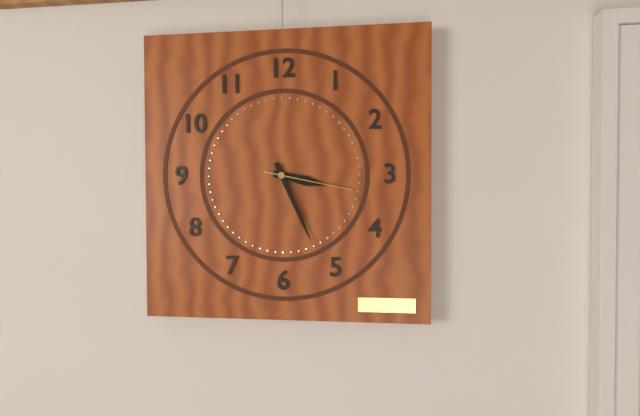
3:26:17
